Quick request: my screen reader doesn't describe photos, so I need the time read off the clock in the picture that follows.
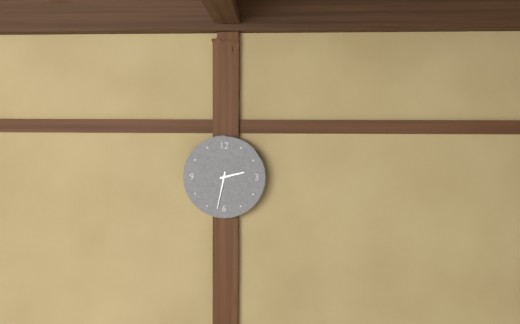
2:32
